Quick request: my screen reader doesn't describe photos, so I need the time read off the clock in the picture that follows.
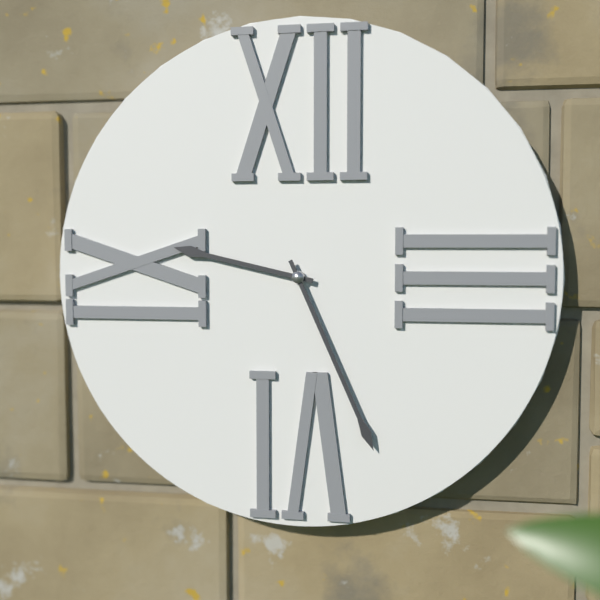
9:26
